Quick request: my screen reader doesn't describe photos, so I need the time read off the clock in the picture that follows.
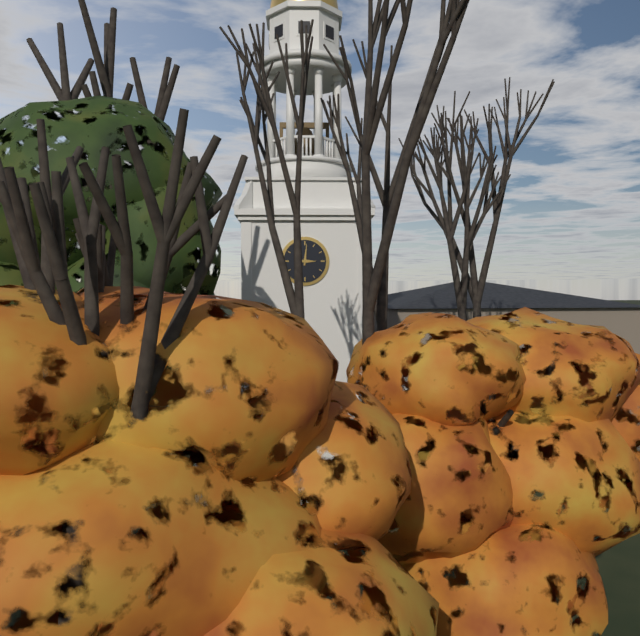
3:01
